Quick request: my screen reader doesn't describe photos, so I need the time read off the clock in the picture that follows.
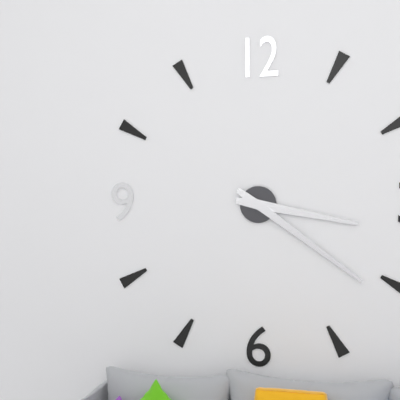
3:21
